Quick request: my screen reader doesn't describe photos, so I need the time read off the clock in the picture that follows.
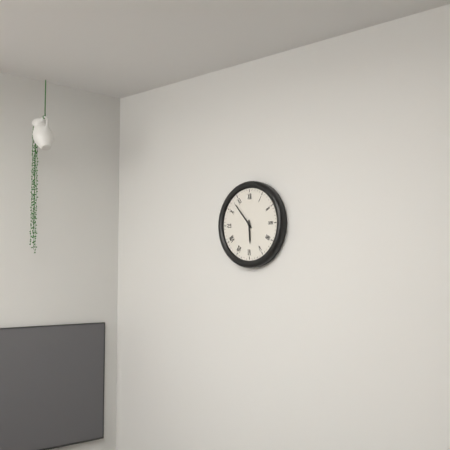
5:53
